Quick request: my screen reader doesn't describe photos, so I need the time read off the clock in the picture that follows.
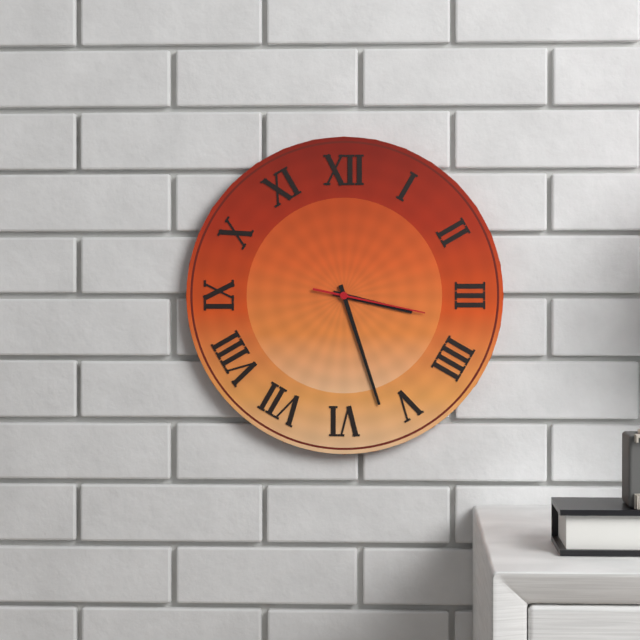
3:27:17
